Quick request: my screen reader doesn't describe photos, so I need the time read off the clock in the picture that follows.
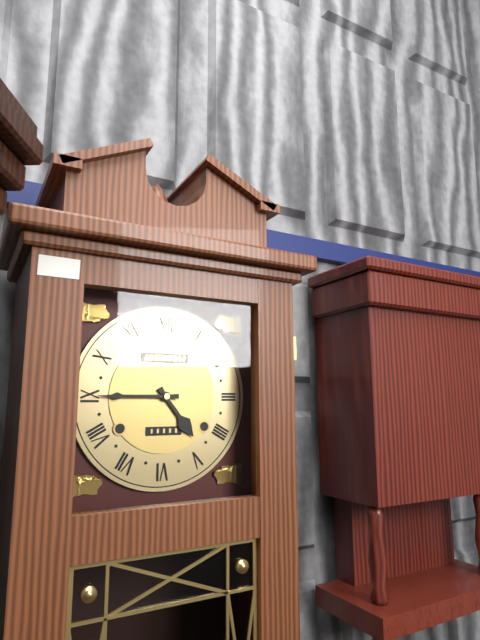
4:45
